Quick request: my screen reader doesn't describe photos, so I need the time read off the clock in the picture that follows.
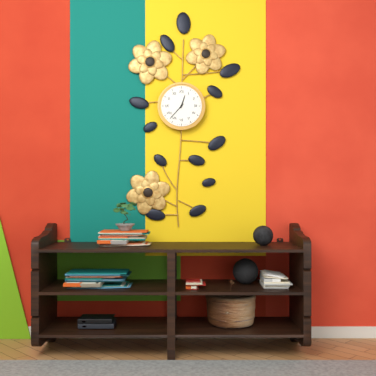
12:37
